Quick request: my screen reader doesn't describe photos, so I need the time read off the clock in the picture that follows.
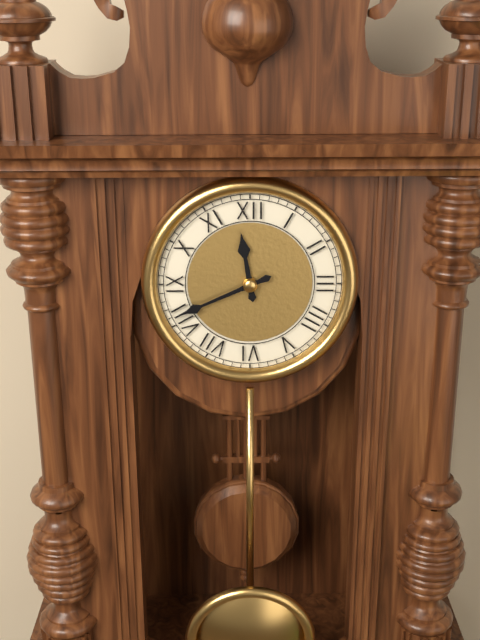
11:41
